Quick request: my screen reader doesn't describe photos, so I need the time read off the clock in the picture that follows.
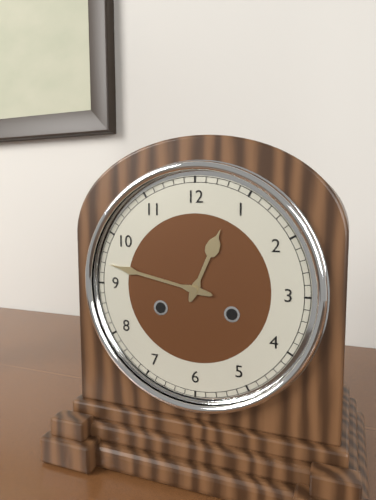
12:47
